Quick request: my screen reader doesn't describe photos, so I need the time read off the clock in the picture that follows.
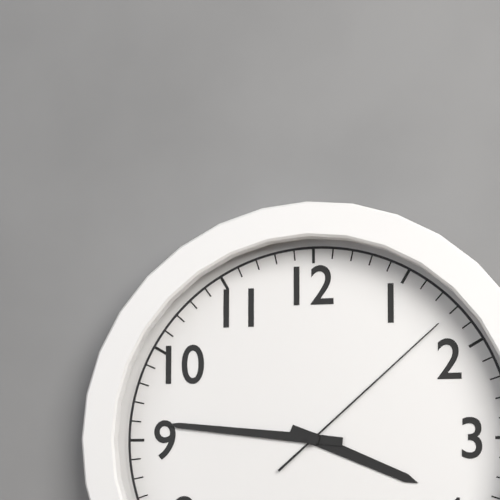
3:46:08
